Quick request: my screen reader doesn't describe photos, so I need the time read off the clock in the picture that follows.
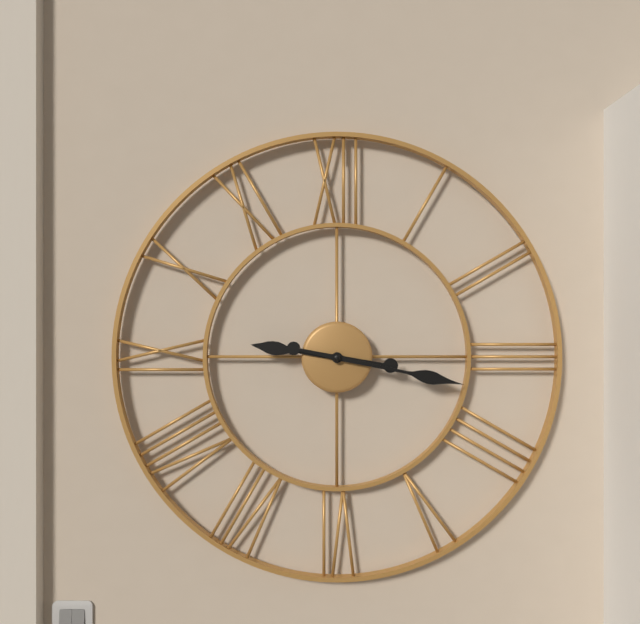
9:17
